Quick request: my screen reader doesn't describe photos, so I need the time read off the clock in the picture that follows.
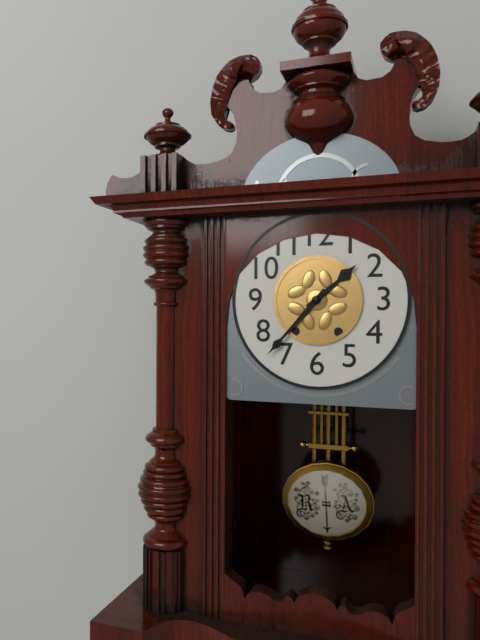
1:37
